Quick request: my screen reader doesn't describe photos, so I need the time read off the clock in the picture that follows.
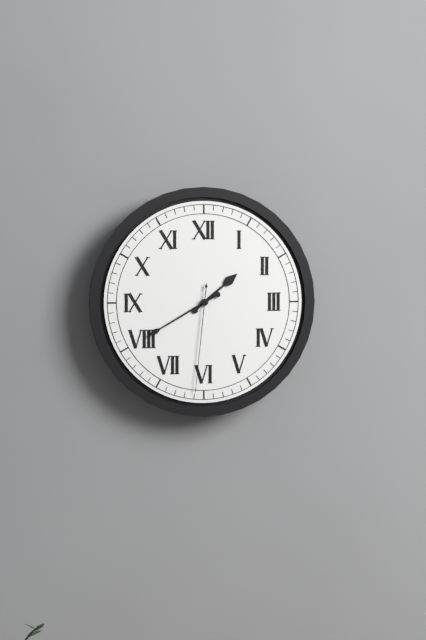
1:40:31
